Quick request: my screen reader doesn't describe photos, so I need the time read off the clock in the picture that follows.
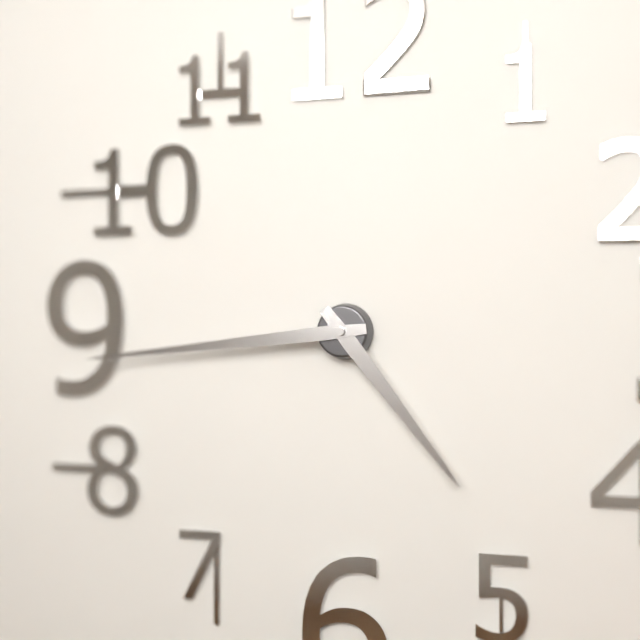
4:44
